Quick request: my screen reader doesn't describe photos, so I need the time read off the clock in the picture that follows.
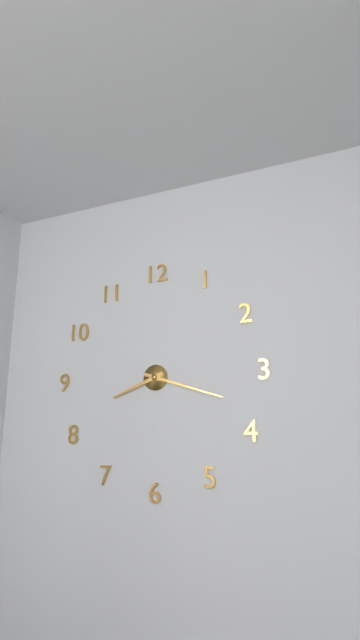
8:18
